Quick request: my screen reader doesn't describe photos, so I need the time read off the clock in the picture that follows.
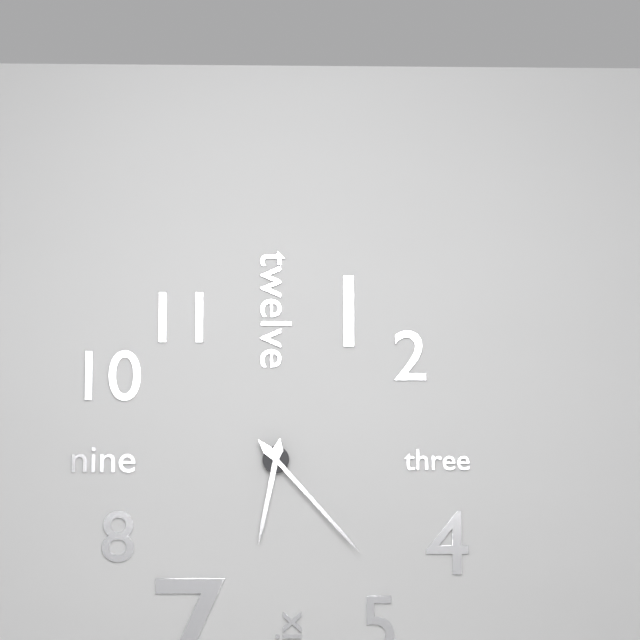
6:23
